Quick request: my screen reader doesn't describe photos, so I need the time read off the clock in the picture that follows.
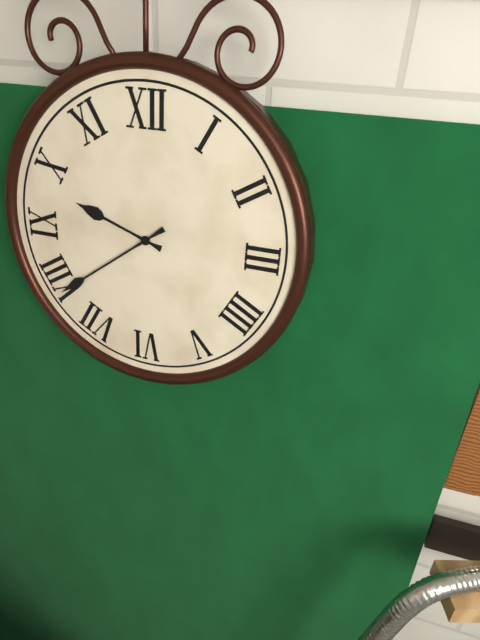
9:39
